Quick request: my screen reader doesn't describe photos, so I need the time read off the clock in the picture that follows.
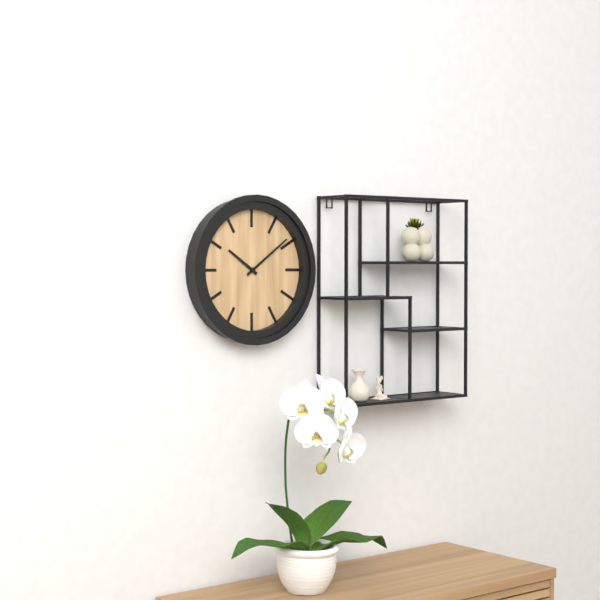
10:09
